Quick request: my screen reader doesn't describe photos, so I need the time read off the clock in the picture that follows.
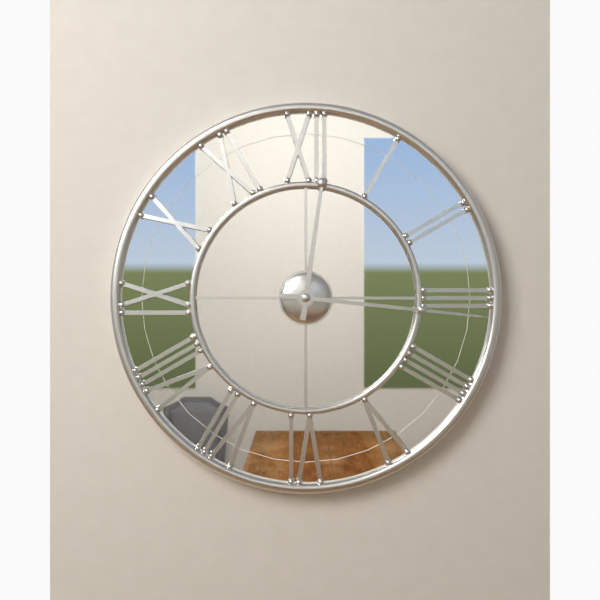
12:16
